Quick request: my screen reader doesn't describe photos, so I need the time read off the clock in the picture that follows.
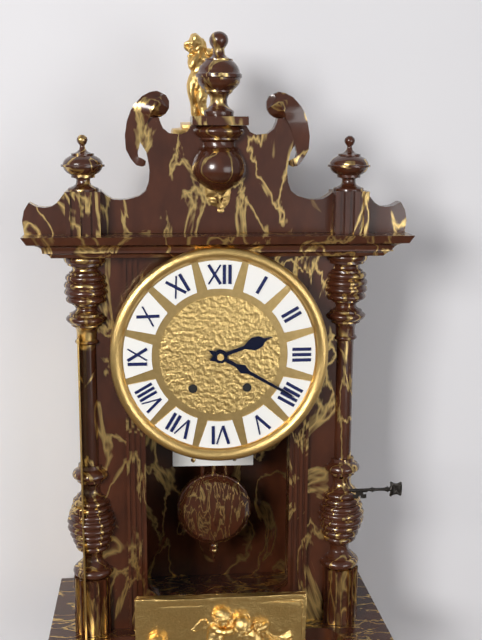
2:20
